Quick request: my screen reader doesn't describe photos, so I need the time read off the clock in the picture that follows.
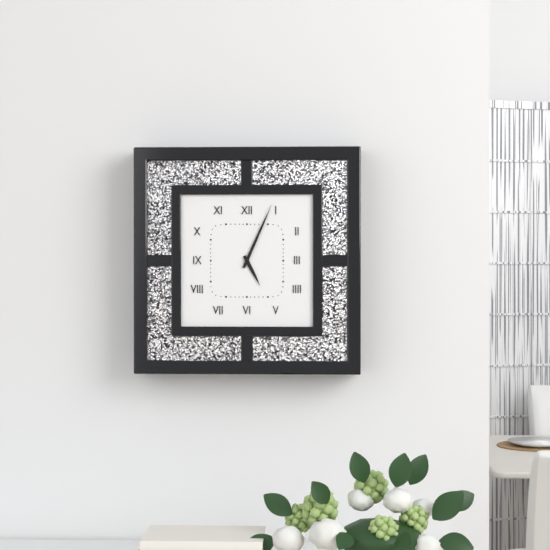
5:04
